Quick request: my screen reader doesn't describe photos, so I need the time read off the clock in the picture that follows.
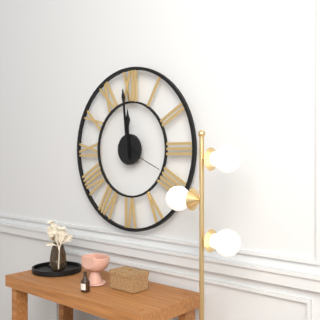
11:59
